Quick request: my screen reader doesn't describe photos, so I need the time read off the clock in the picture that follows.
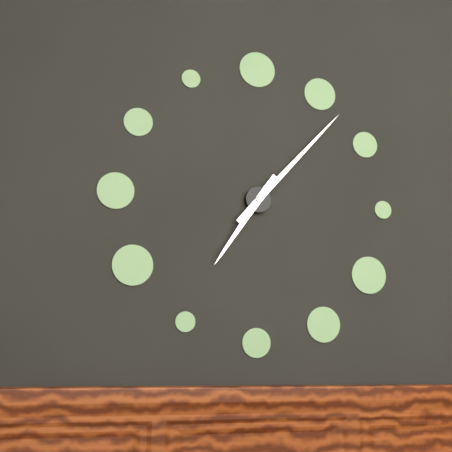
7:07
